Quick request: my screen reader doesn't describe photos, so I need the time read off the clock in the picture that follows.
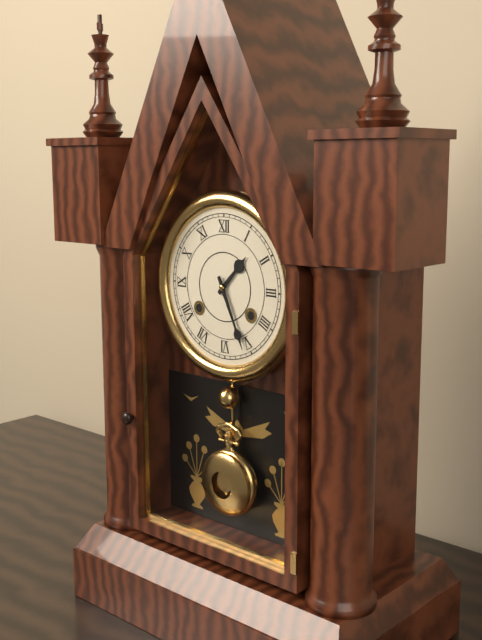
1:26
